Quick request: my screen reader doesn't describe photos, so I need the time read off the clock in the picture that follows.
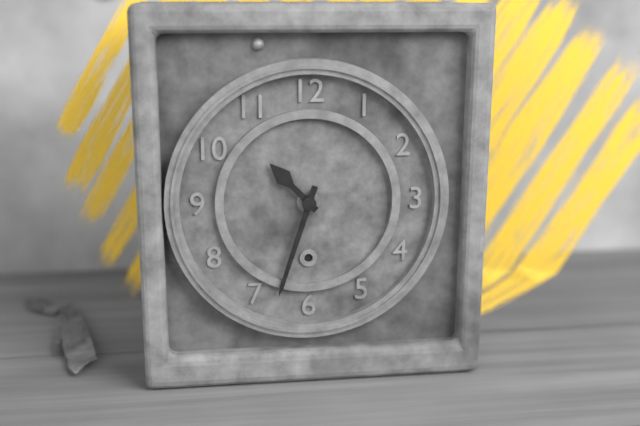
10:33
